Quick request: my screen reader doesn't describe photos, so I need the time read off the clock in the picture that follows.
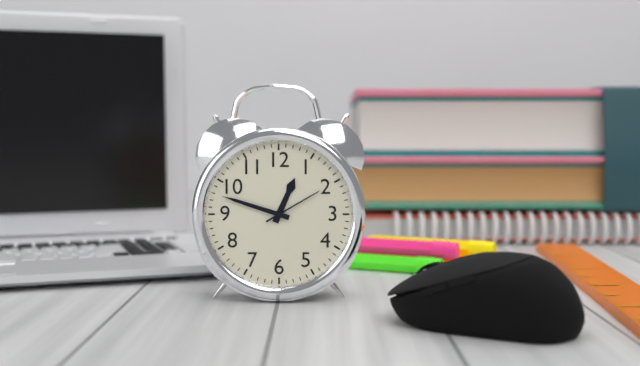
12:48:10
